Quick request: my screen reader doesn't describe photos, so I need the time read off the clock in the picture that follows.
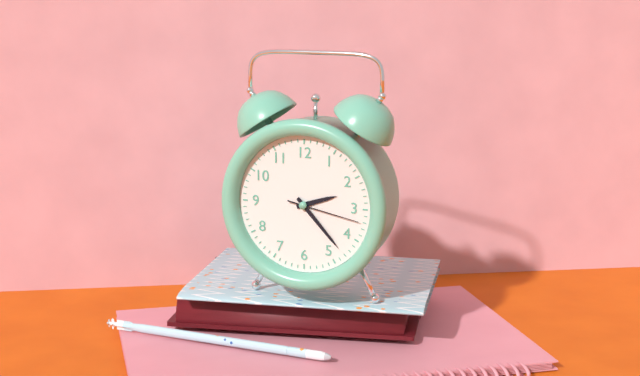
2:23:17
